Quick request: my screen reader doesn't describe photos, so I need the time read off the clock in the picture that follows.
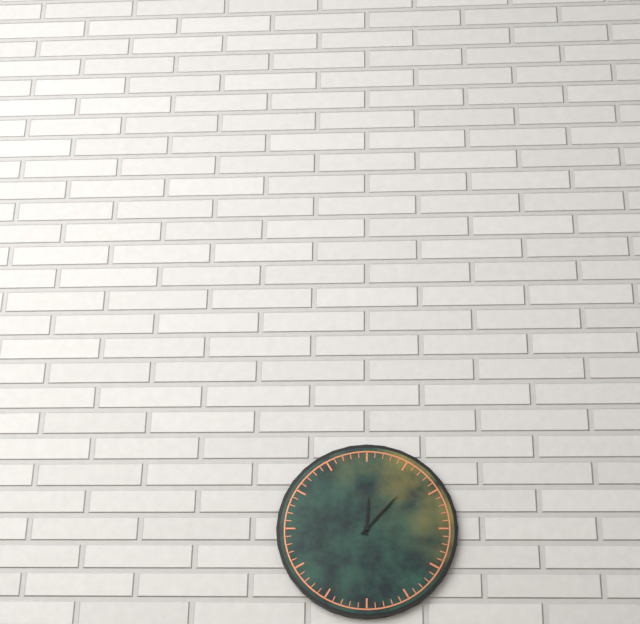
12:07
